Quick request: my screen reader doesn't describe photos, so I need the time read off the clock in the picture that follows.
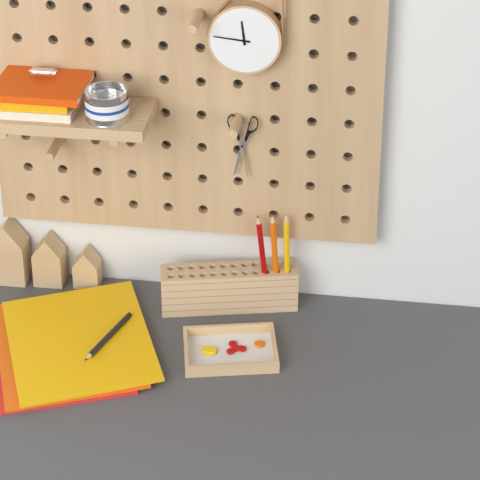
11:46
